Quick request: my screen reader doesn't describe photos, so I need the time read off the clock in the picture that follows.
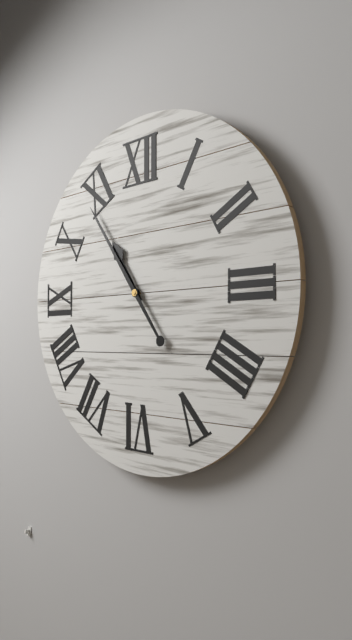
10:54
